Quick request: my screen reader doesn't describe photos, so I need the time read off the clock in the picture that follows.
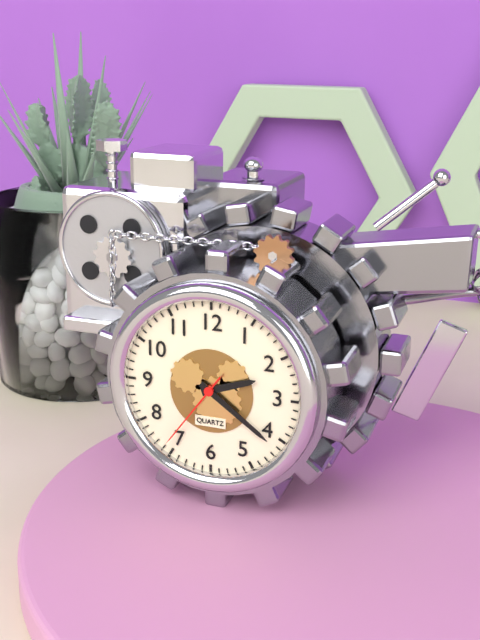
2:21:36
